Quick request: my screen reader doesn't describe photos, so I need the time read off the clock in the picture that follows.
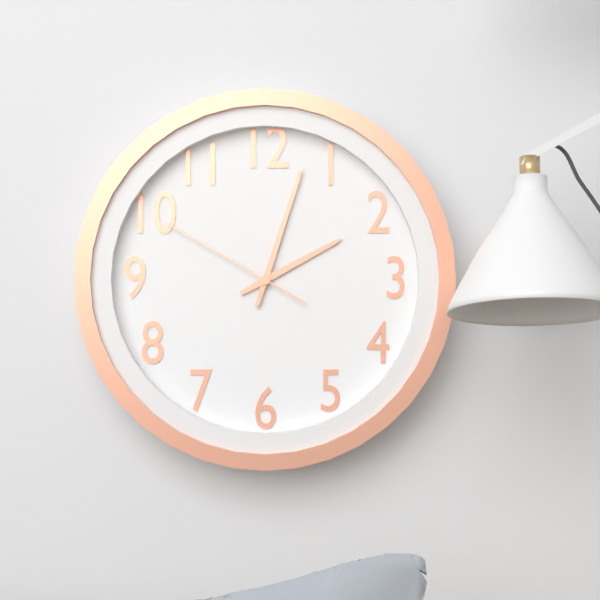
2:03:50
